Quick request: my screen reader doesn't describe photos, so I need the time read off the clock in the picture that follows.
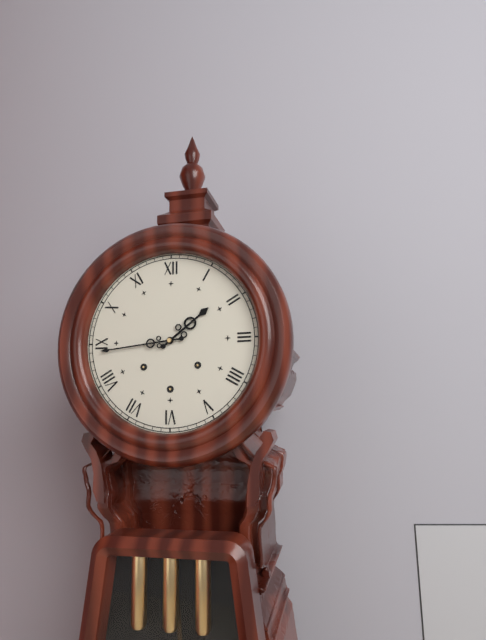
1:44
